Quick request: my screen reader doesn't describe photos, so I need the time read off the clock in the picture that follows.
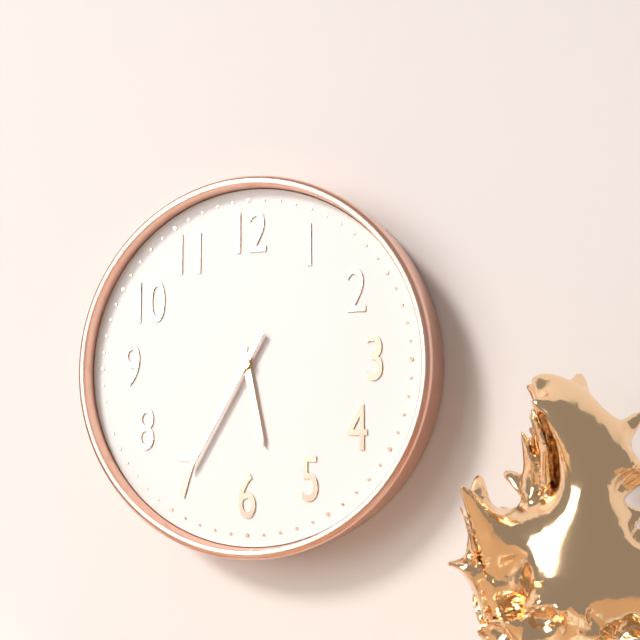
5:35
